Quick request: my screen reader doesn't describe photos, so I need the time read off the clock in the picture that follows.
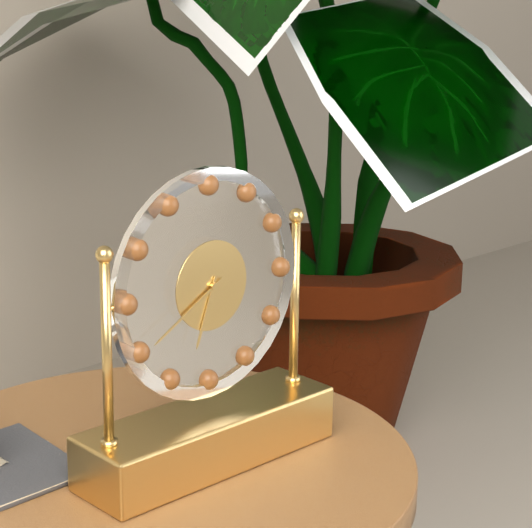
6:40
